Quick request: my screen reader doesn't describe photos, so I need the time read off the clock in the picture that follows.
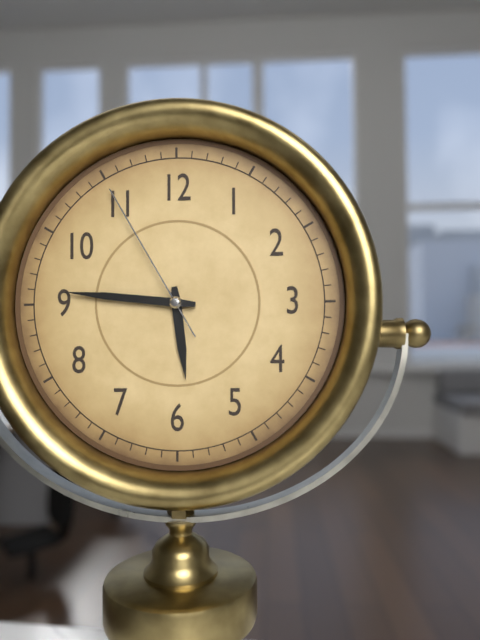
5:46:55
